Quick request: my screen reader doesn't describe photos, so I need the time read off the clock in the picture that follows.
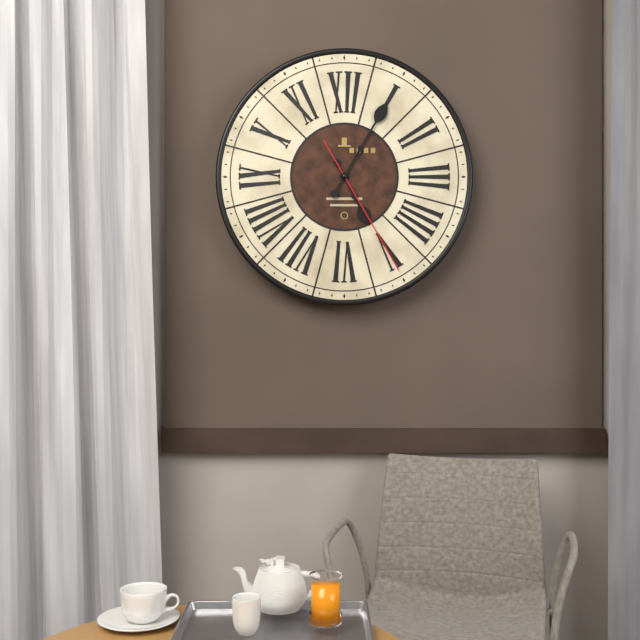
5:05:25
